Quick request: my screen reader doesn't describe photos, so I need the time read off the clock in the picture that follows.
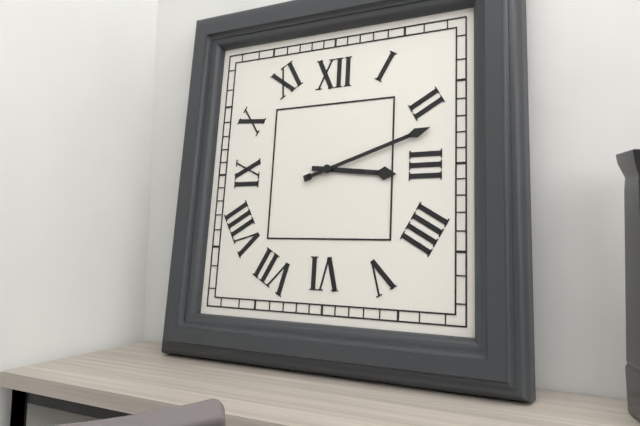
3:12
